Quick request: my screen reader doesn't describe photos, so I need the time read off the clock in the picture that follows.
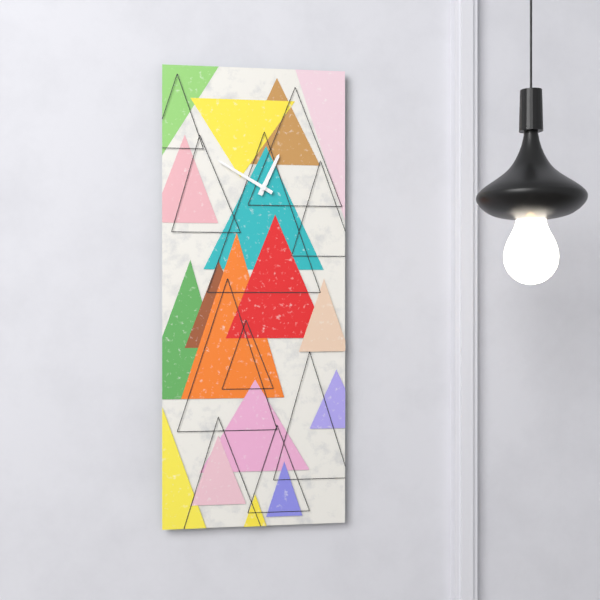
12:50
